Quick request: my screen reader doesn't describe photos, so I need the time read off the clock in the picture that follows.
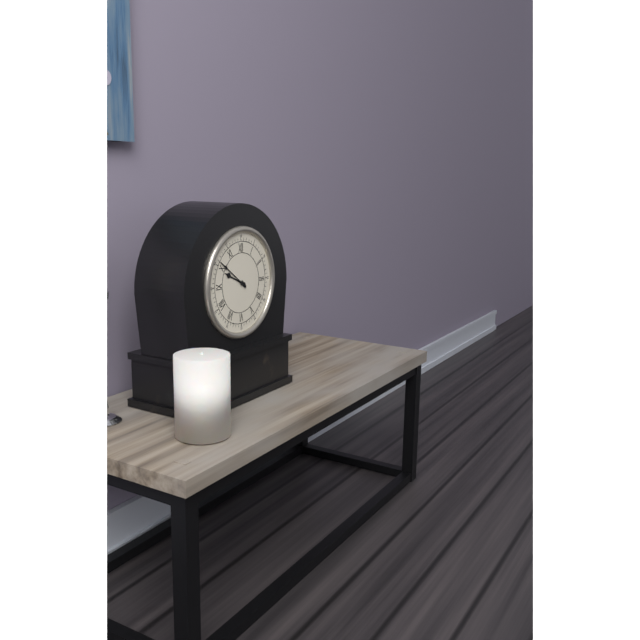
9:51
